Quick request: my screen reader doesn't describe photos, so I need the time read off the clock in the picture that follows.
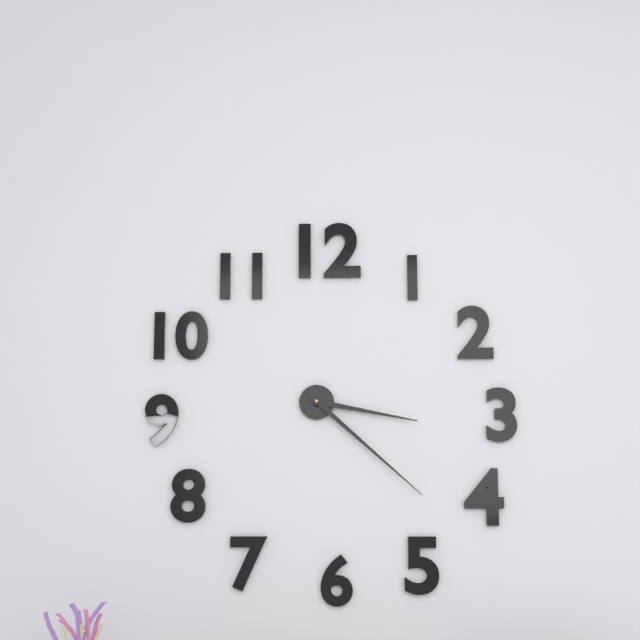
3:22
